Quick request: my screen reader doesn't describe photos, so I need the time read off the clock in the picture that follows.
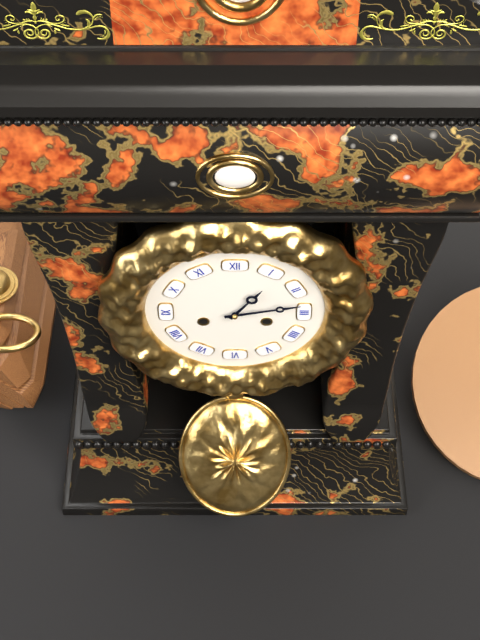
1:13
